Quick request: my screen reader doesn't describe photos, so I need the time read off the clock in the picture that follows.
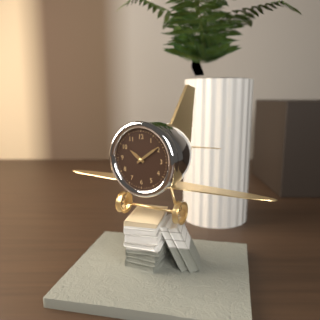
10:09
